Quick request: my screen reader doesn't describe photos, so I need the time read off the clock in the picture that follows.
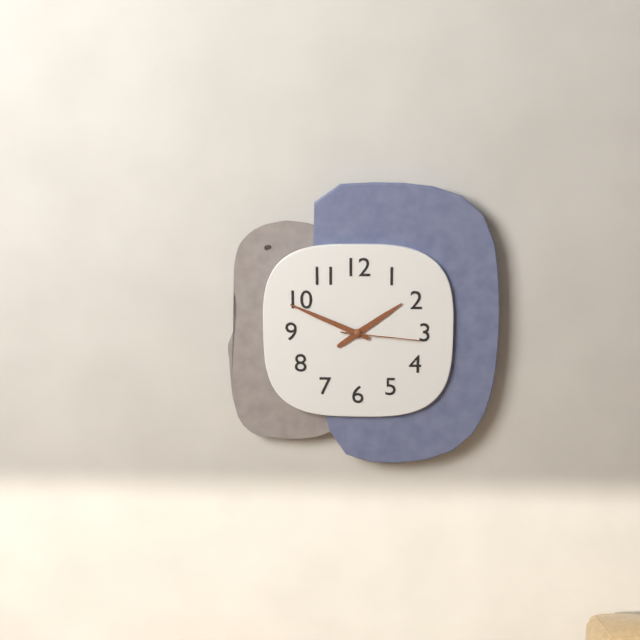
1:49:16
